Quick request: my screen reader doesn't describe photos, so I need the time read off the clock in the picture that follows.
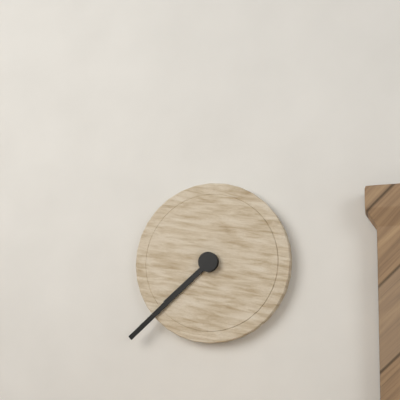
7:38
